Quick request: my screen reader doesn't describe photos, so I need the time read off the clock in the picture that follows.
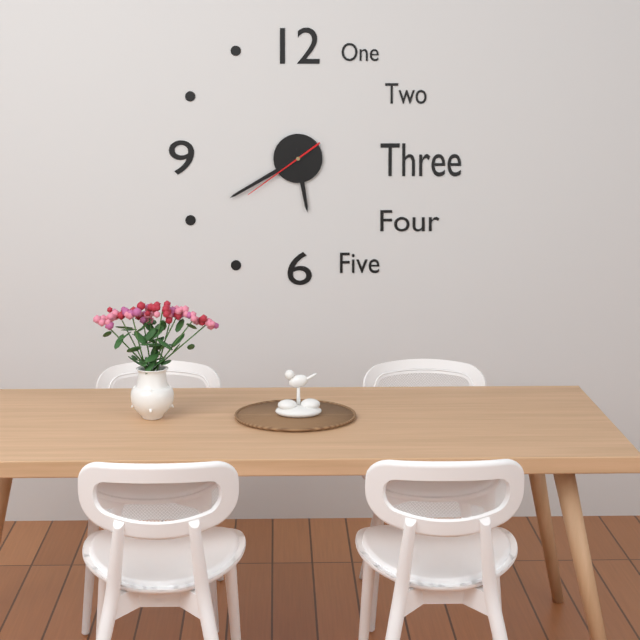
5:40:39
